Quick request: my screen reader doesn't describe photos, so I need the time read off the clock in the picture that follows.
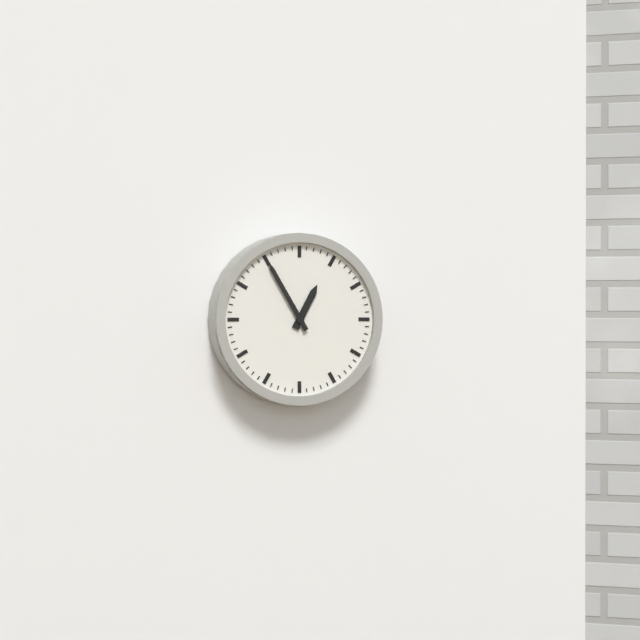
12:55
